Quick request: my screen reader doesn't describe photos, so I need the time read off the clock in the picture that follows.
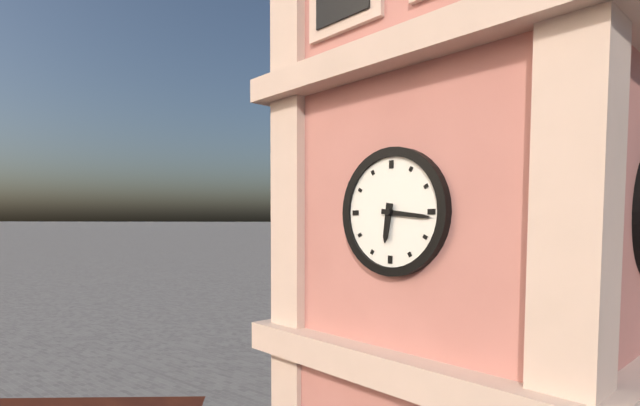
6:16
